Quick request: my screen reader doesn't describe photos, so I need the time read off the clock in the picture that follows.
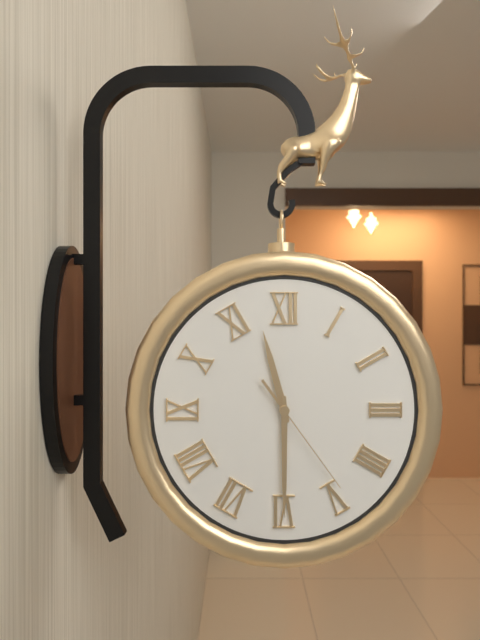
11:30:24
